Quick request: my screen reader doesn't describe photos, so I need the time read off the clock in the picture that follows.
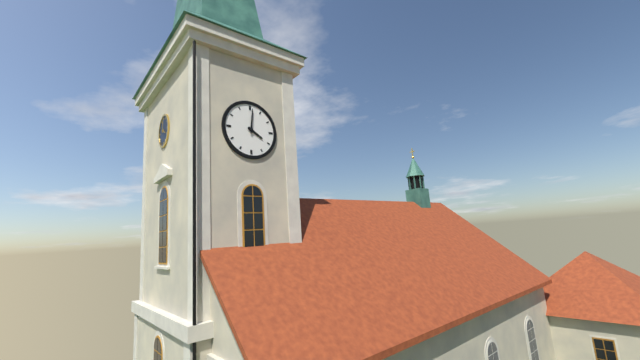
4:01
